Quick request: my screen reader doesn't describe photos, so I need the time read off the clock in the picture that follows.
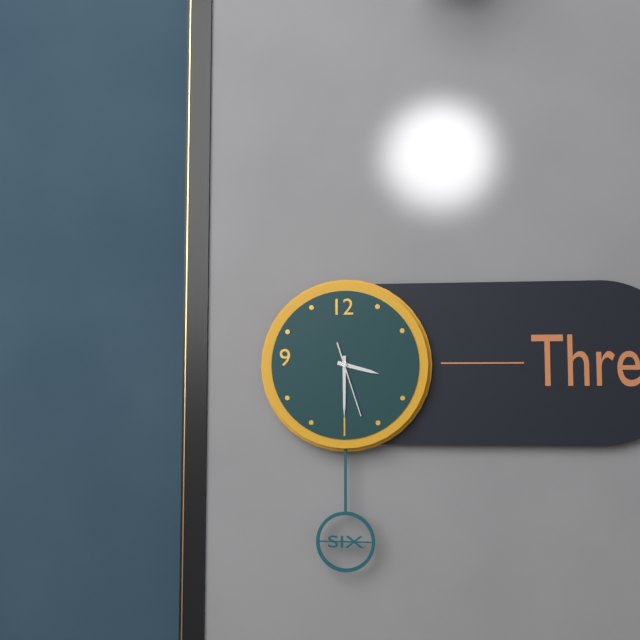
3:30:27
